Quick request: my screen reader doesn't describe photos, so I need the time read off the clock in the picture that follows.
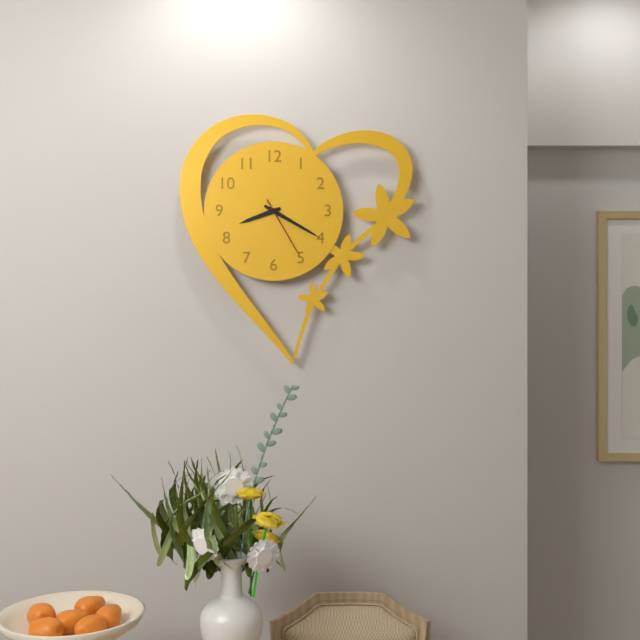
8:20:25
